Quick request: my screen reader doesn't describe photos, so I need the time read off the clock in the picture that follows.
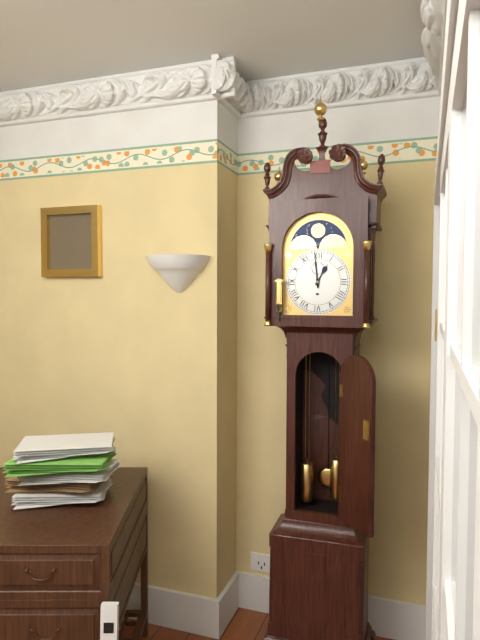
12:59
